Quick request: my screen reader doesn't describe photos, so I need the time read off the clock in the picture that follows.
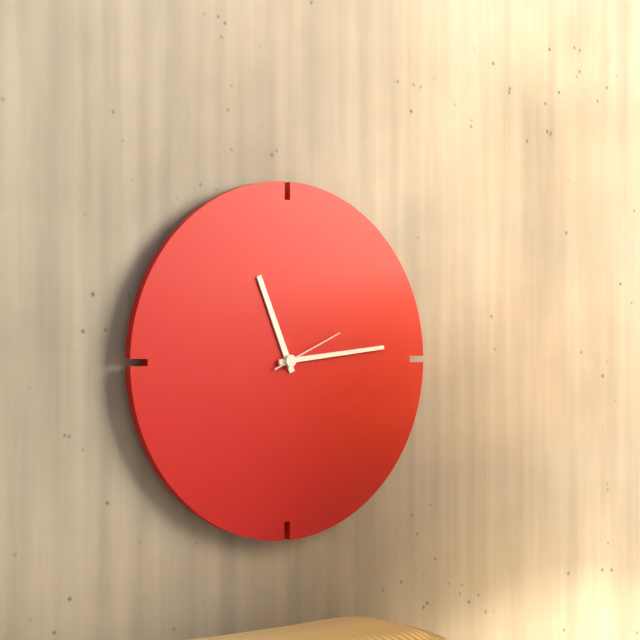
11:14:11
